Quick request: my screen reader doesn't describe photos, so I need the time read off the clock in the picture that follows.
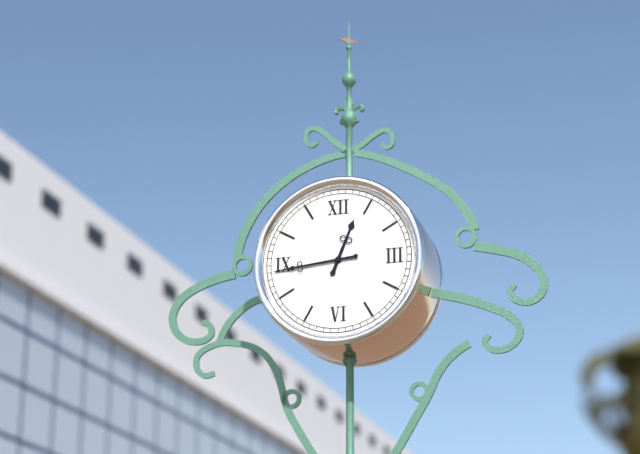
12:44
